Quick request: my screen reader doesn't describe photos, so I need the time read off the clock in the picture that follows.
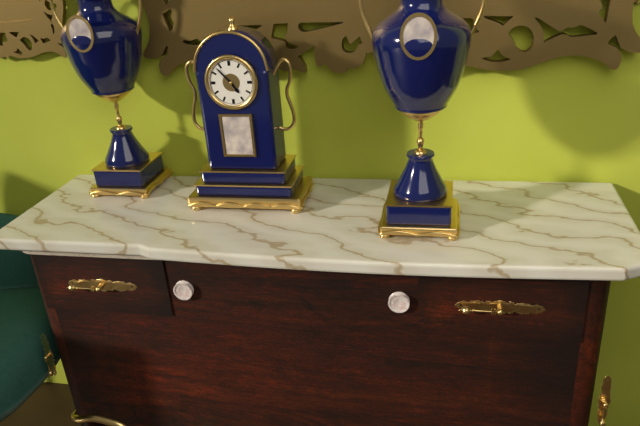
4:53
